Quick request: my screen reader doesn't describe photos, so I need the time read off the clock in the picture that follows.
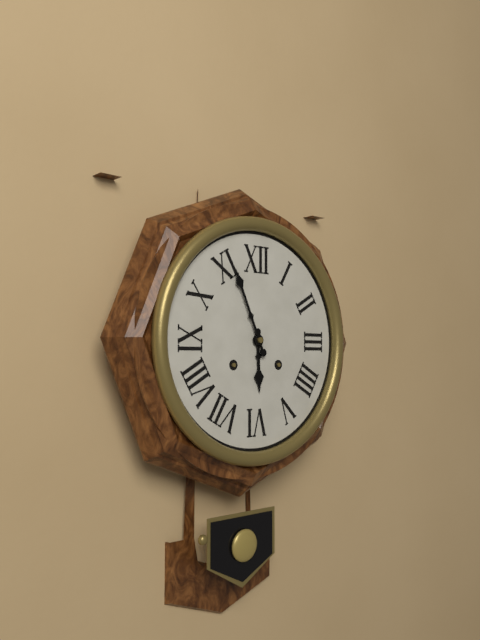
5:56
